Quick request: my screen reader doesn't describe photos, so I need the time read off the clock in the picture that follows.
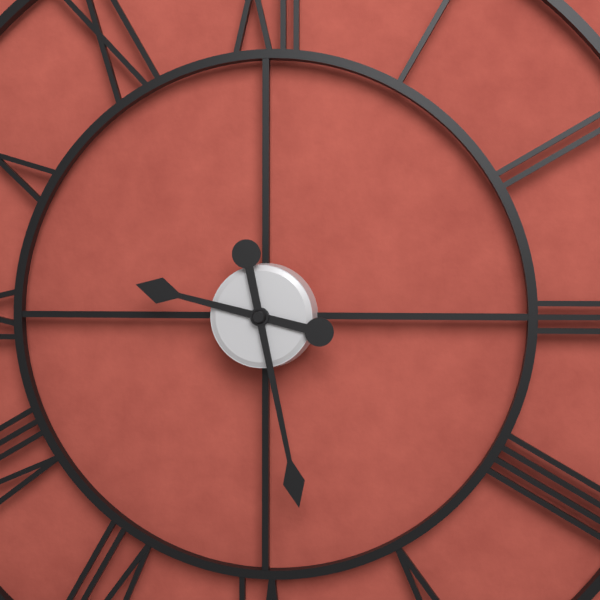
9:28
